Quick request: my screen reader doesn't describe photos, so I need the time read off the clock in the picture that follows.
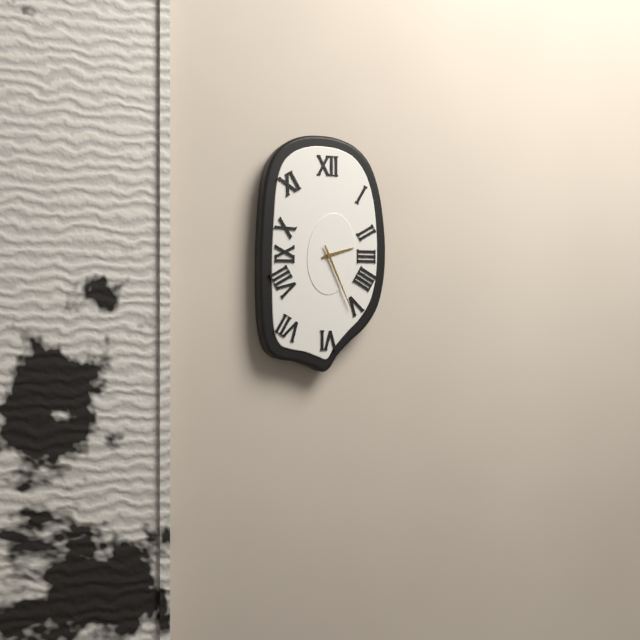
2:26
